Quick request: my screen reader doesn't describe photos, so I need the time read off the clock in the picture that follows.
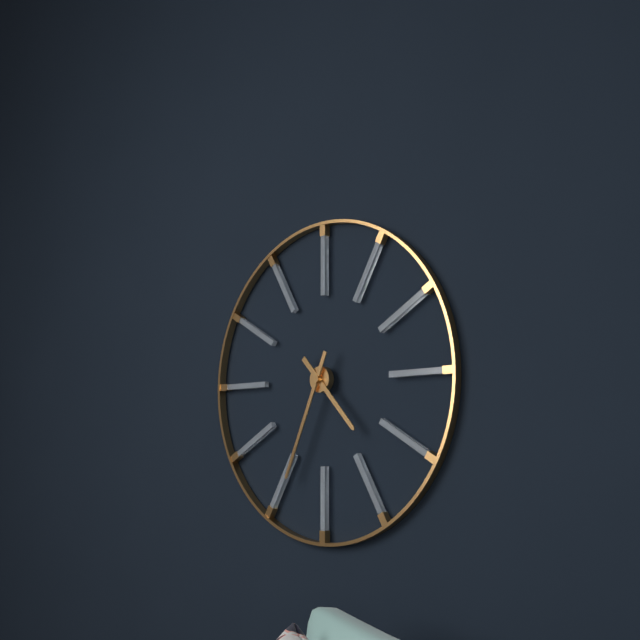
4:34
